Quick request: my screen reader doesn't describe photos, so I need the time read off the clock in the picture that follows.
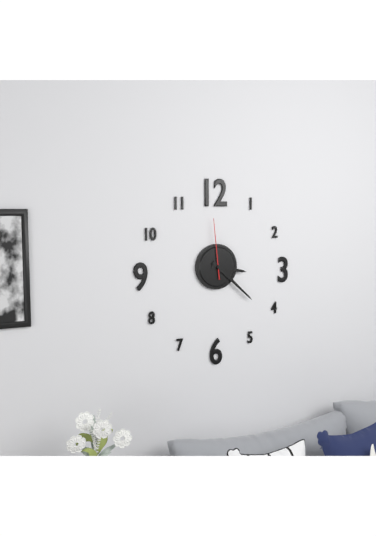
3:22:59
